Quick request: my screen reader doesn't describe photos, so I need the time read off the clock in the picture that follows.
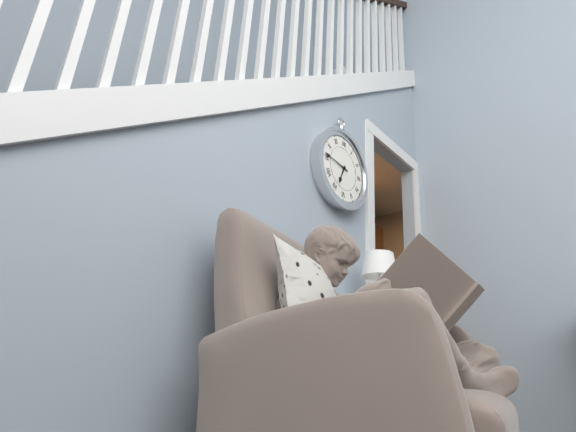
6:46
